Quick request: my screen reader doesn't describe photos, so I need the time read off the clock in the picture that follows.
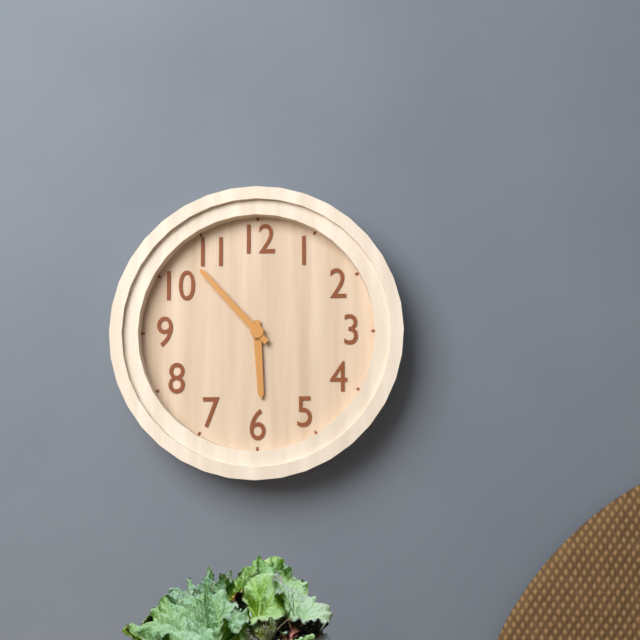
5:53
